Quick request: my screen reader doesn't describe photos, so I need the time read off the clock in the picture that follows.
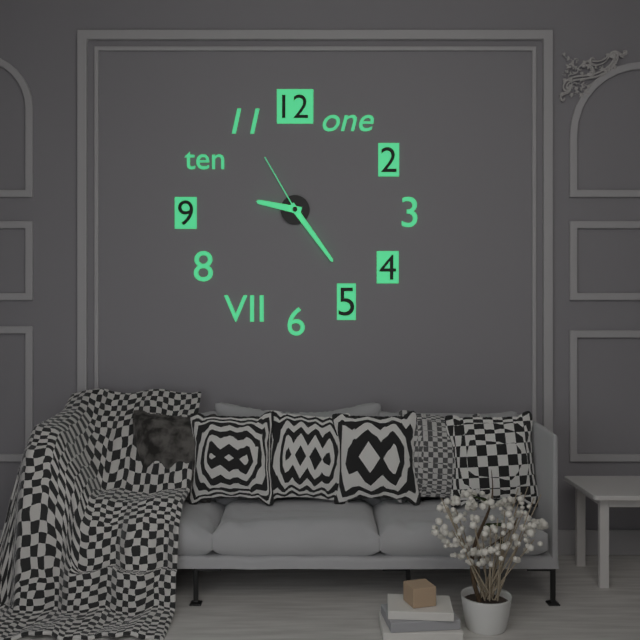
9:24:55
